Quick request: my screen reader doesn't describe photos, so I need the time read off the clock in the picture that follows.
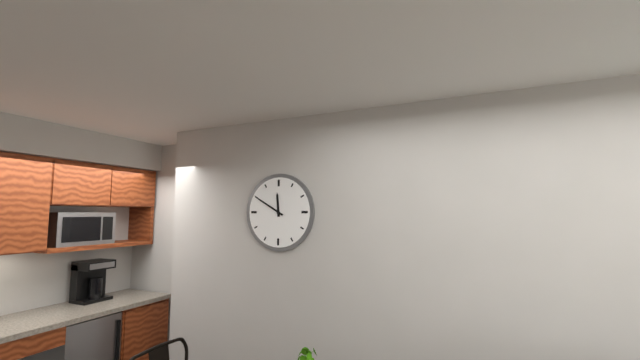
11:50
